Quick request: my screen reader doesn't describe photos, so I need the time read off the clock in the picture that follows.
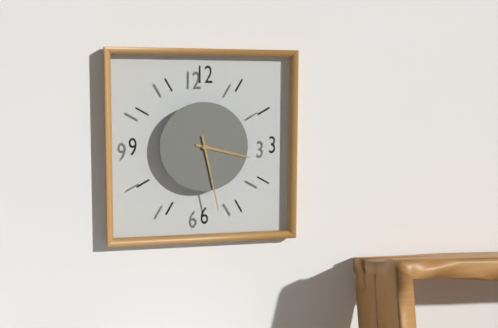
3:28
